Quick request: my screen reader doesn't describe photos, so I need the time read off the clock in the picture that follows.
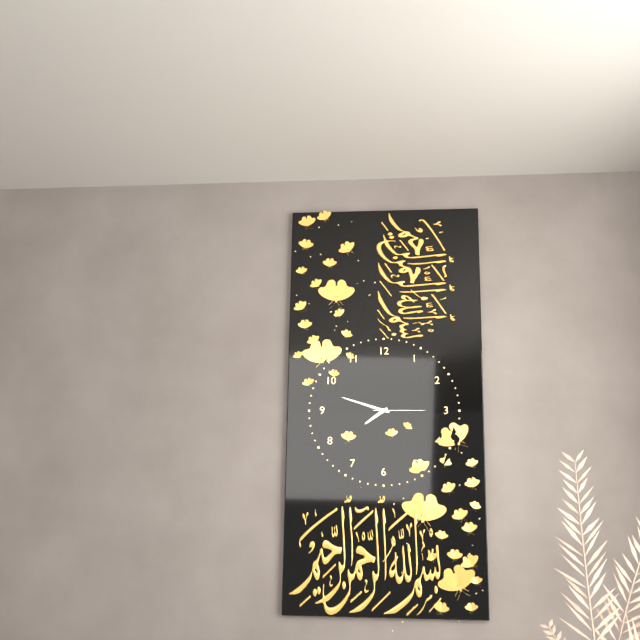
7:48:15
